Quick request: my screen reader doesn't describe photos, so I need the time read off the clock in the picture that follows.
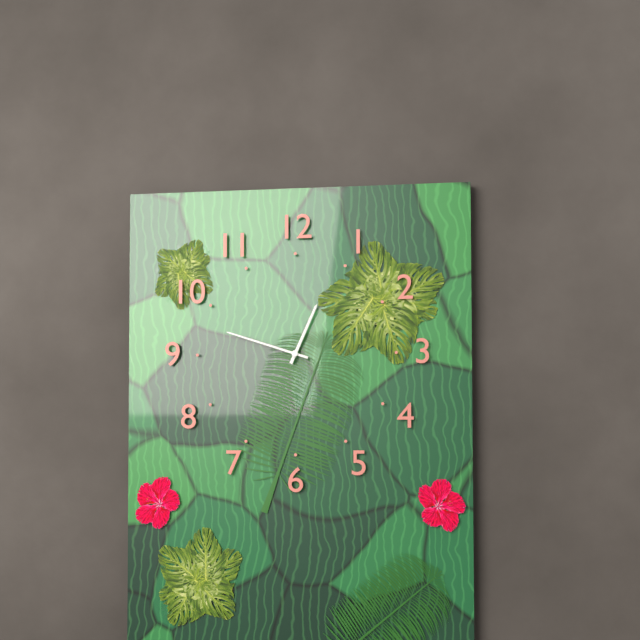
12:48
